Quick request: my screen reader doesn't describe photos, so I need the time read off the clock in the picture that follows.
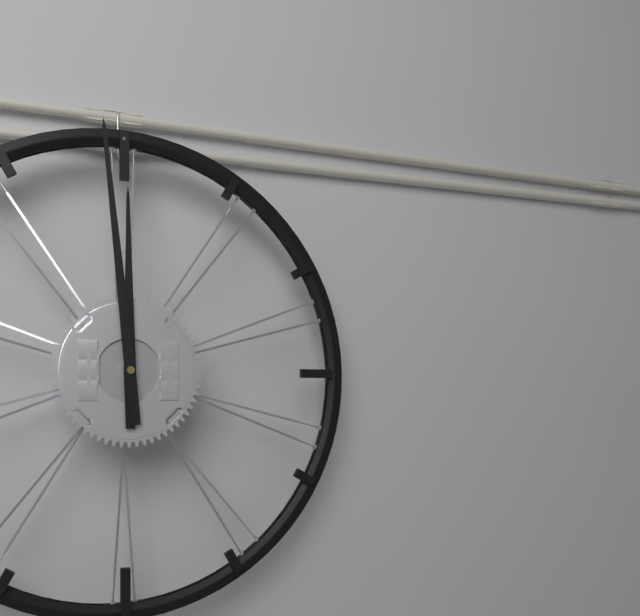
11:59
